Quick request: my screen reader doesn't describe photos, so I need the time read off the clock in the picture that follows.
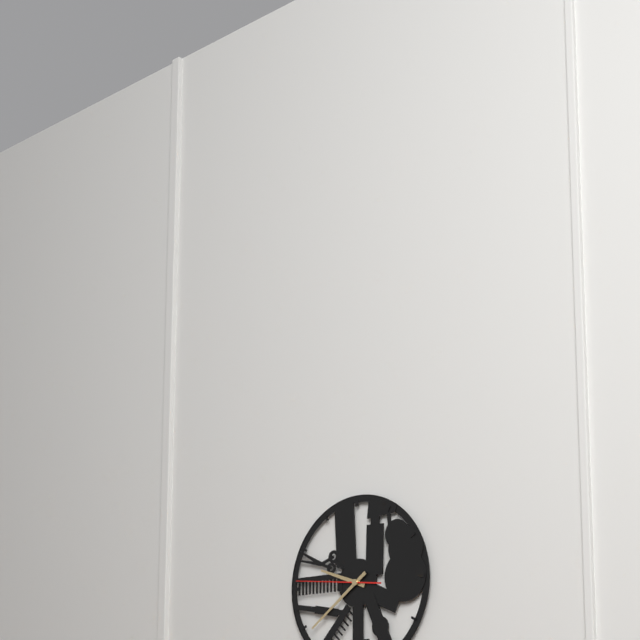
9:39:46
